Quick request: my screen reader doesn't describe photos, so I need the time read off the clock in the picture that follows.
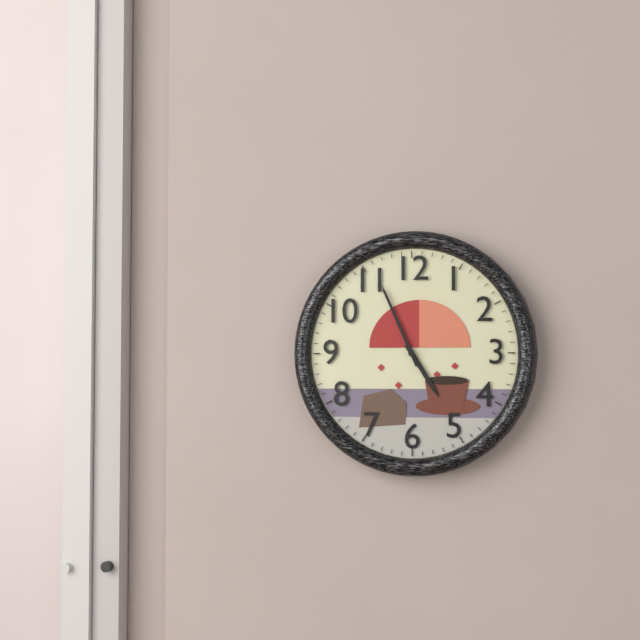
4:56
